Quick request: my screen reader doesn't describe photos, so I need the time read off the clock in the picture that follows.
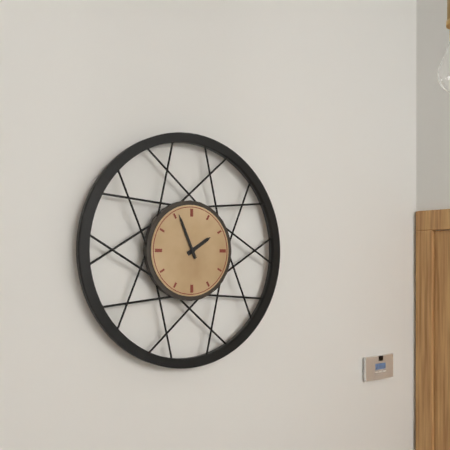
1:56
